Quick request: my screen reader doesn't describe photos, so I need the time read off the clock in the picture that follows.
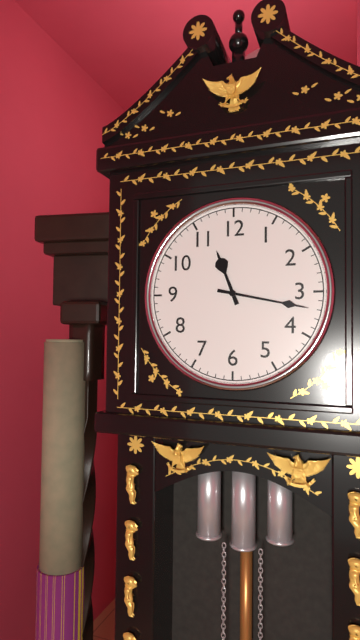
11:17
